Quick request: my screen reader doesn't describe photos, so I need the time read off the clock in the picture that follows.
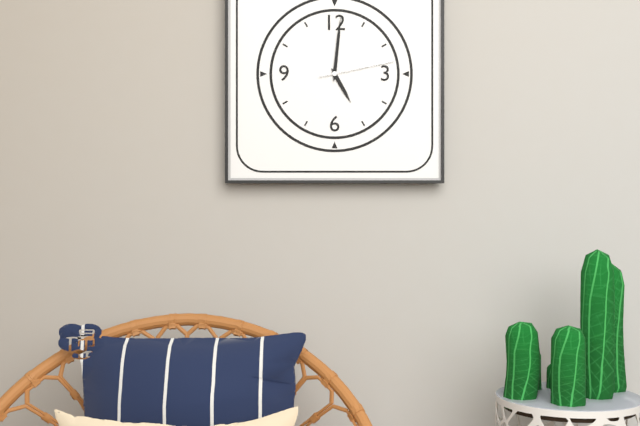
5:01:13
